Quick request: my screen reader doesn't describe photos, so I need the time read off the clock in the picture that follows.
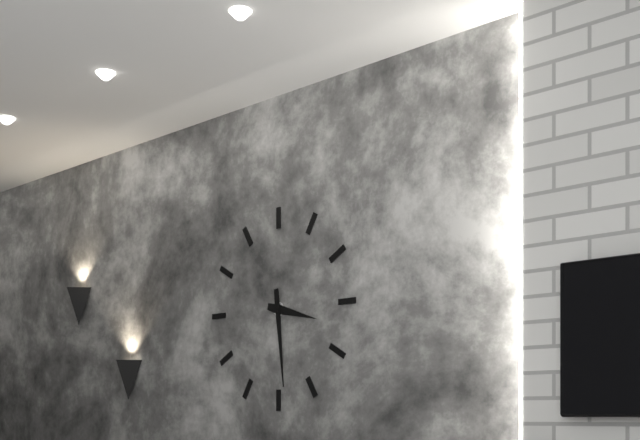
3:29
